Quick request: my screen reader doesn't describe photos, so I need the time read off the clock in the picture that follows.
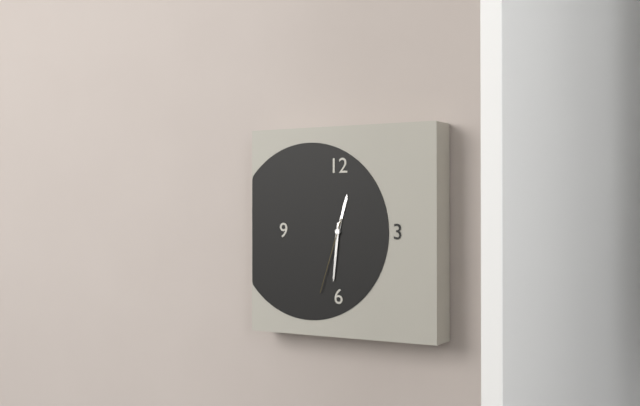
12:31:33
